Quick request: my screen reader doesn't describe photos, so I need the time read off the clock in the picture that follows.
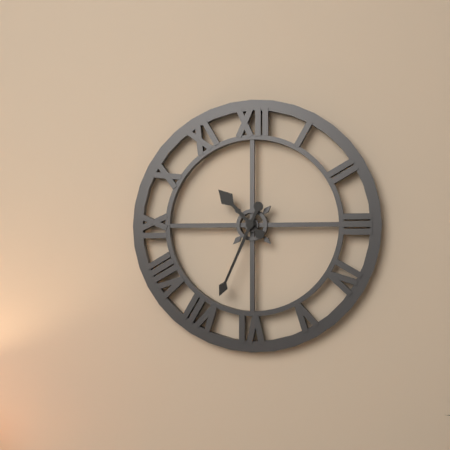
10:34
